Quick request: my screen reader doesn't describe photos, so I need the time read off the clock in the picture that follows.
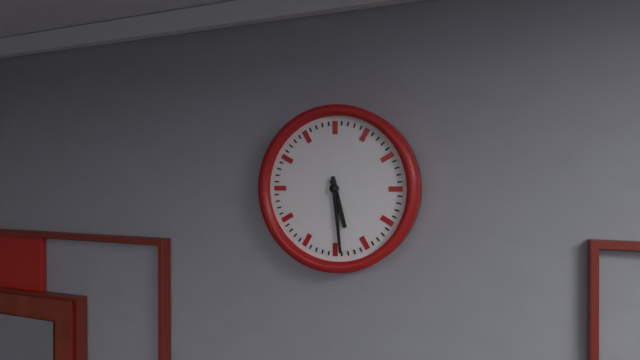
5:29
